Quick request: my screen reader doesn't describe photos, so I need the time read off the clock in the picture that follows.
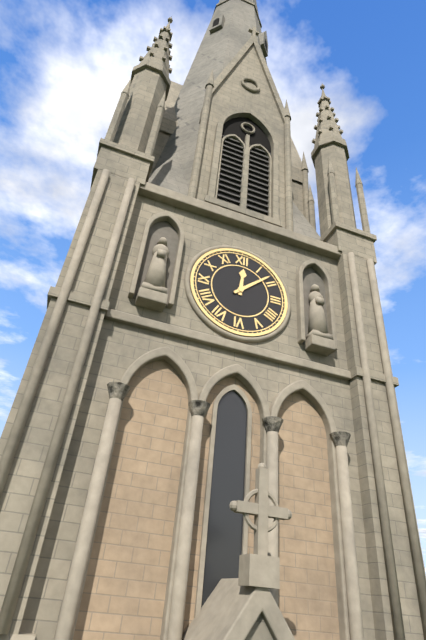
12:08
